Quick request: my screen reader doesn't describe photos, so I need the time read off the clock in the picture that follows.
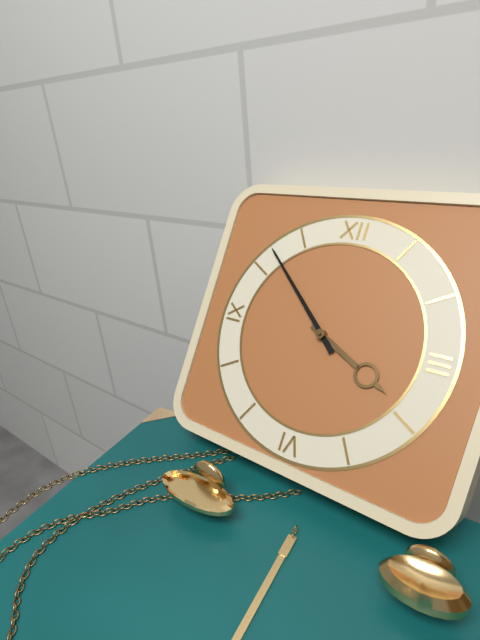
3:52
